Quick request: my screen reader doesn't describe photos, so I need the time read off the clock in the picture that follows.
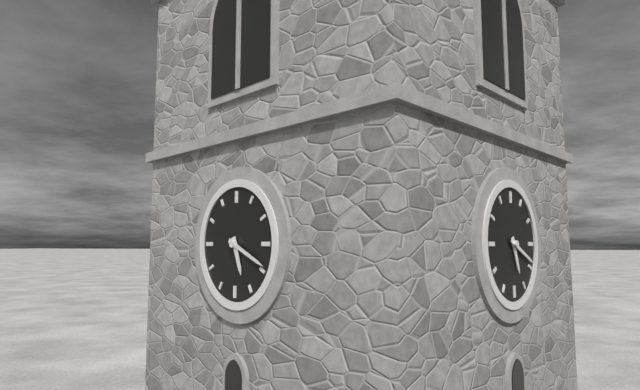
5:19
